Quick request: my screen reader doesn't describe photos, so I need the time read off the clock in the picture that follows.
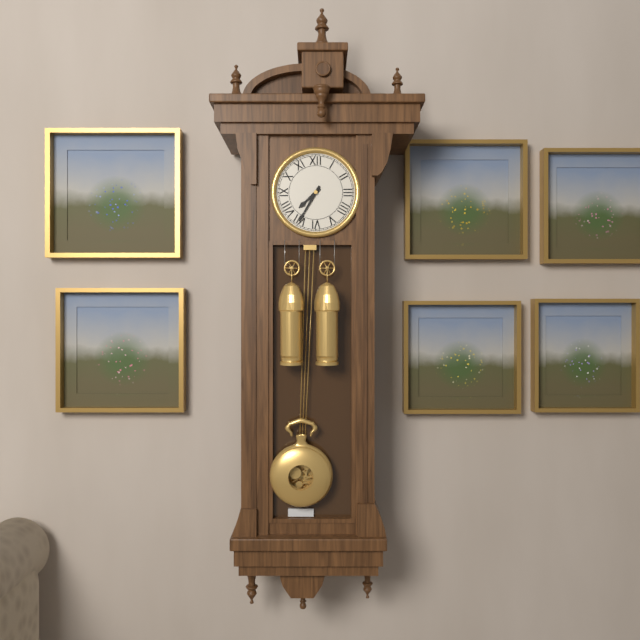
7:35
